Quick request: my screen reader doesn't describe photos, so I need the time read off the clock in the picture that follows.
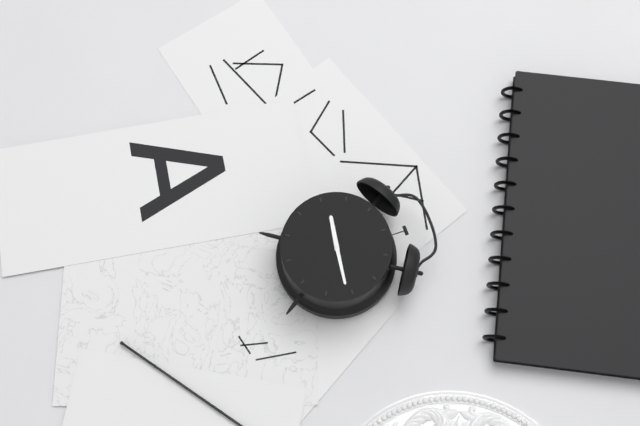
9:16
